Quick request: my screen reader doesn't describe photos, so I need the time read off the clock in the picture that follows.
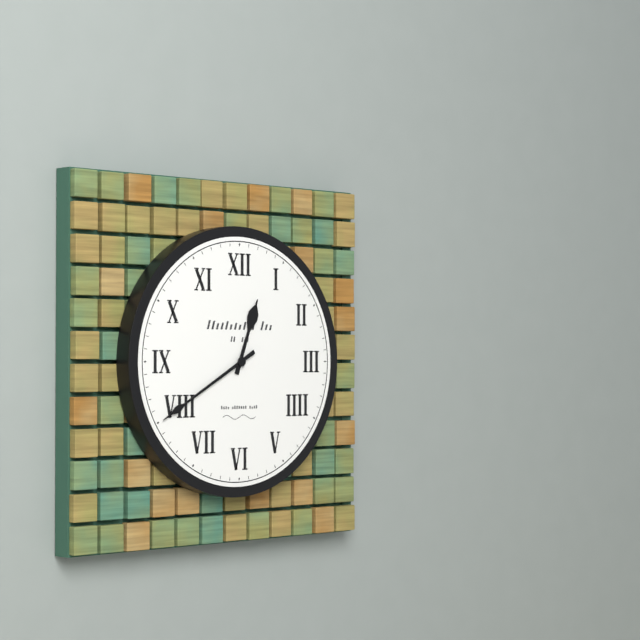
12:40
